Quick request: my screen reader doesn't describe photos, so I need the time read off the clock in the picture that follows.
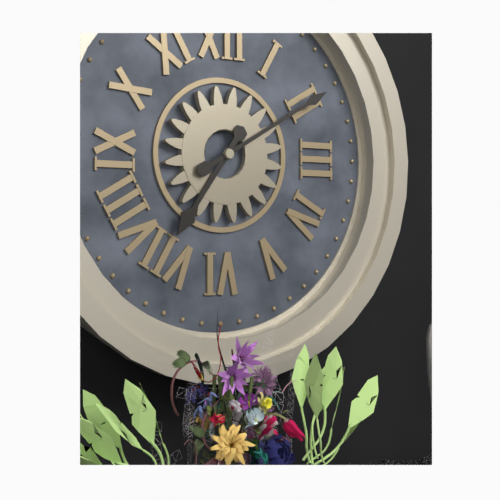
7:10
